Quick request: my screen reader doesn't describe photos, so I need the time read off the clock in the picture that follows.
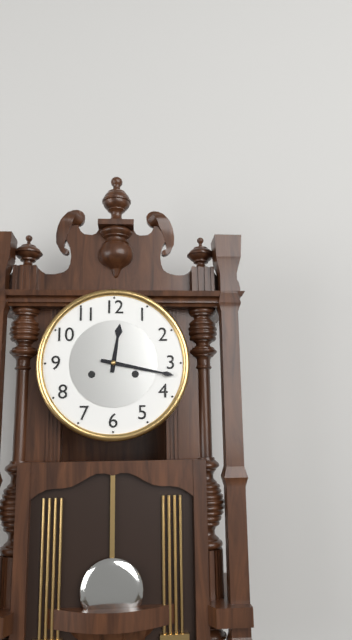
12:17
